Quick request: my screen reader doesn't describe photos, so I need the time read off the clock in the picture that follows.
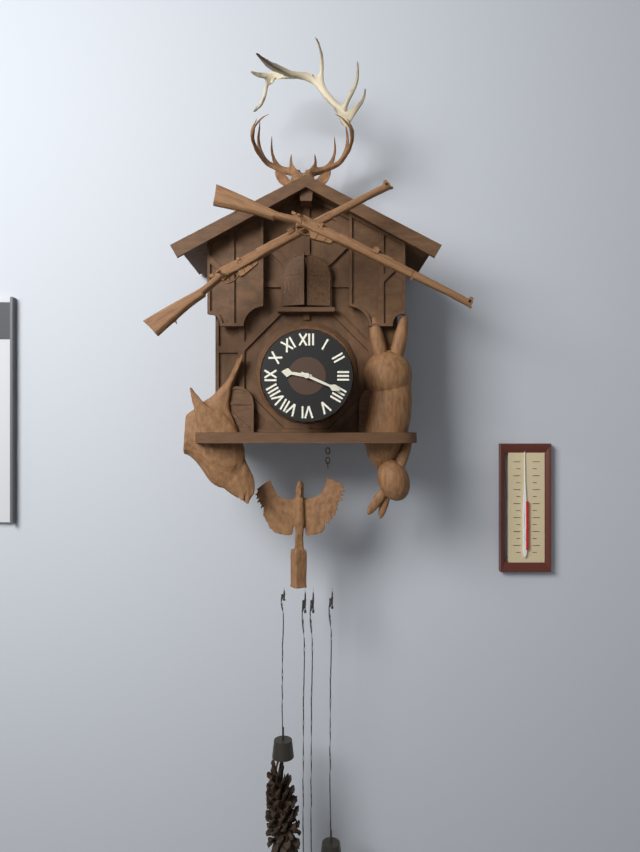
9:19
